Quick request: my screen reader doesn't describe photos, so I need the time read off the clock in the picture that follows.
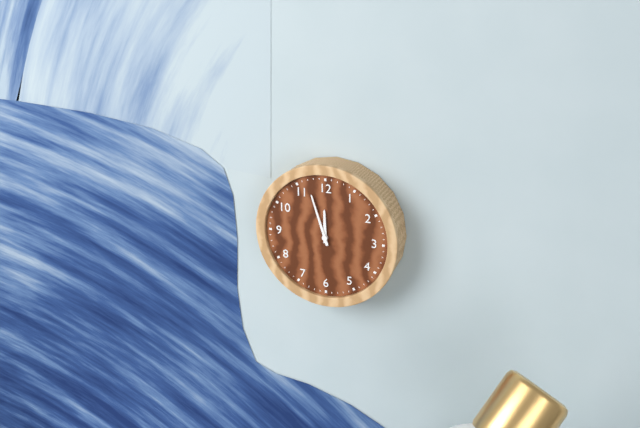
11:57
